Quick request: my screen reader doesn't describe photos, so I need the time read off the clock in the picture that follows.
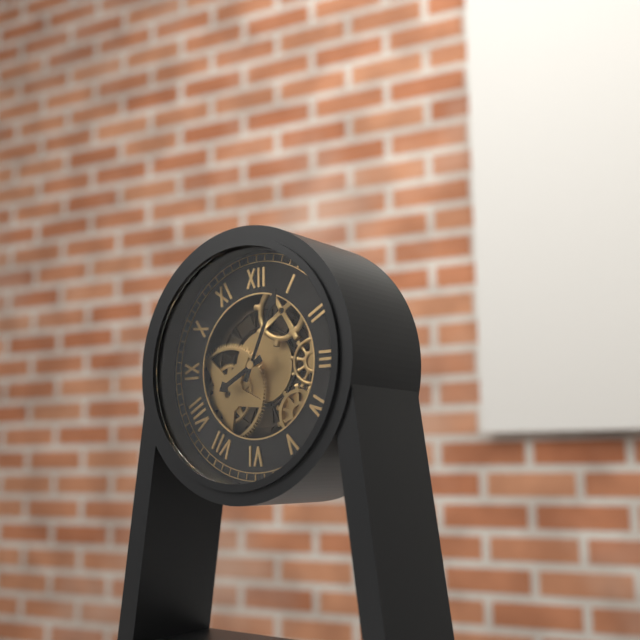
8:04
